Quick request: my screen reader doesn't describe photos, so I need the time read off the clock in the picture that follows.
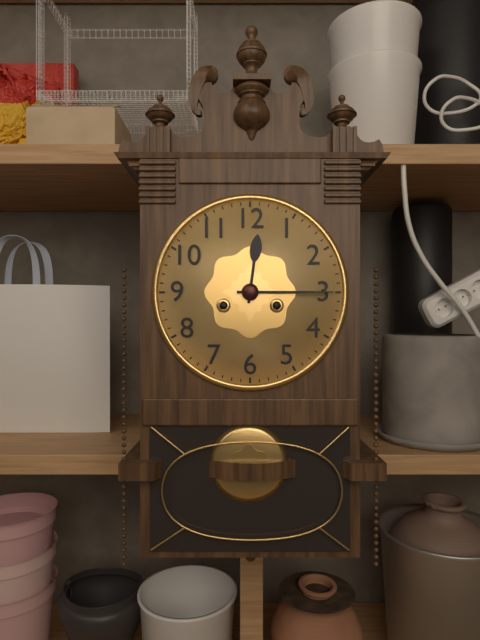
12:15
